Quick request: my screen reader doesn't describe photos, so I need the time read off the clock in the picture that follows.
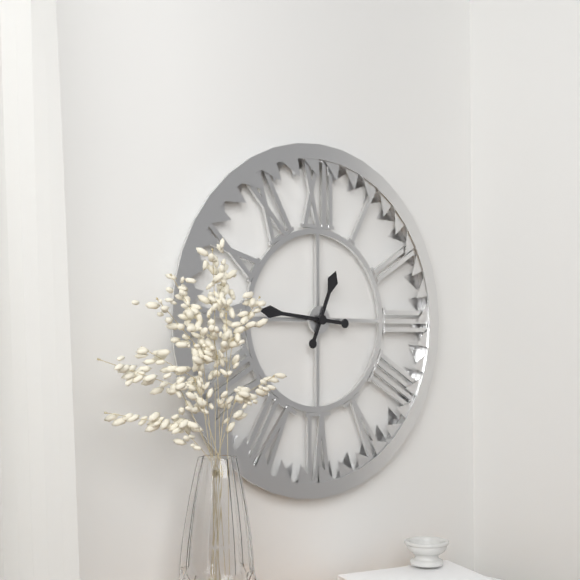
12:46
